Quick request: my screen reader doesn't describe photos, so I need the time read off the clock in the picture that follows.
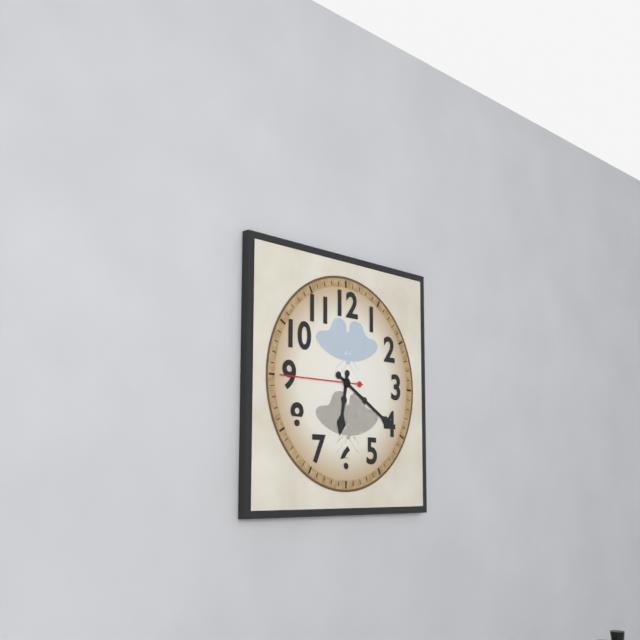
6:20:45
